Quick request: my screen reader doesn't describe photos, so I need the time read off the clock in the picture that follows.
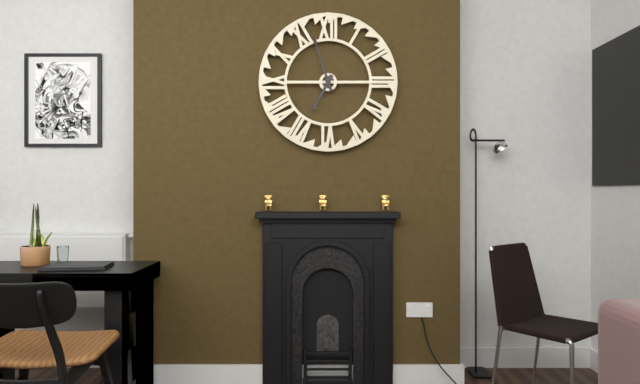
6:57
